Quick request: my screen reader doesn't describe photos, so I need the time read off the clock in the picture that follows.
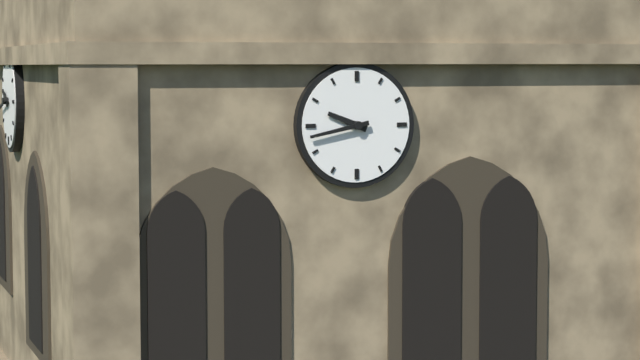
9:43
